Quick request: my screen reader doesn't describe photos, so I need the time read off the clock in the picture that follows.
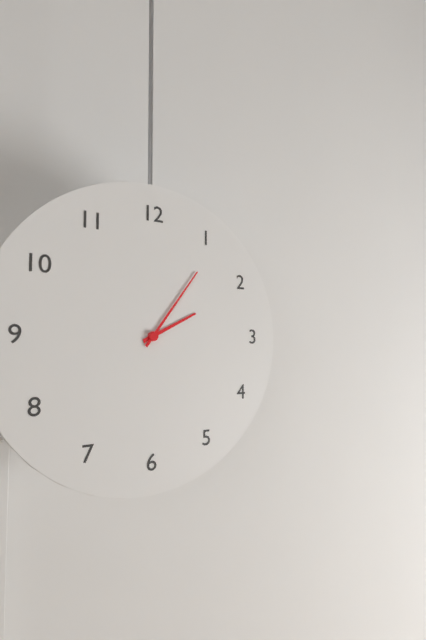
2:06
